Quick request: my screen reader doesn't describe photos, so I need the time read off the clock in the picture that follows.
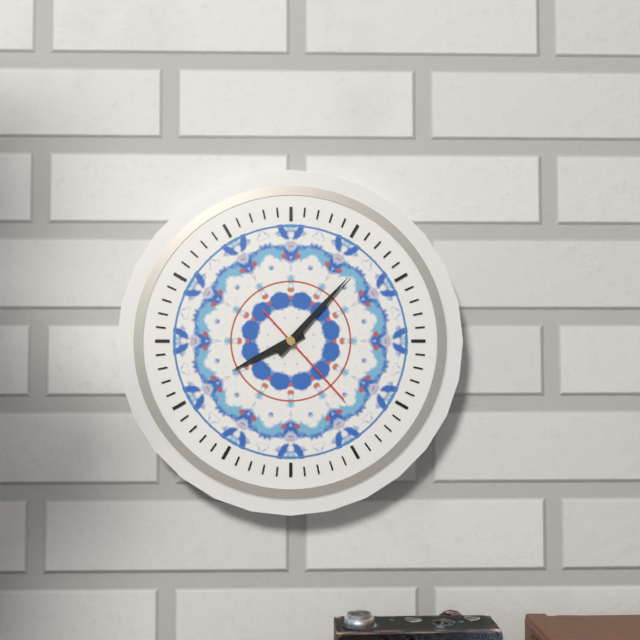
8:07:23
